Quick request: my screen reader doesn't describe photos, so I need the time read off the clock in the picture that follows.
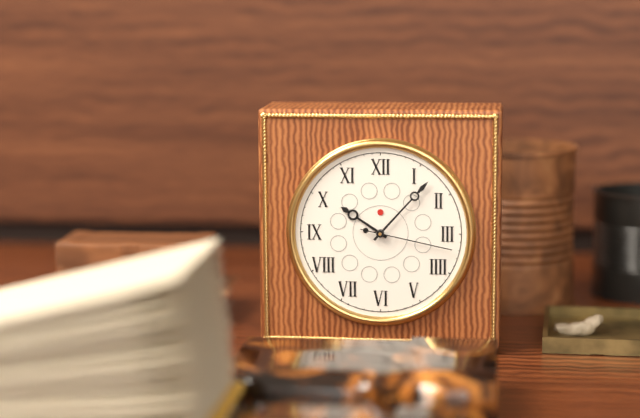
10:07:17
